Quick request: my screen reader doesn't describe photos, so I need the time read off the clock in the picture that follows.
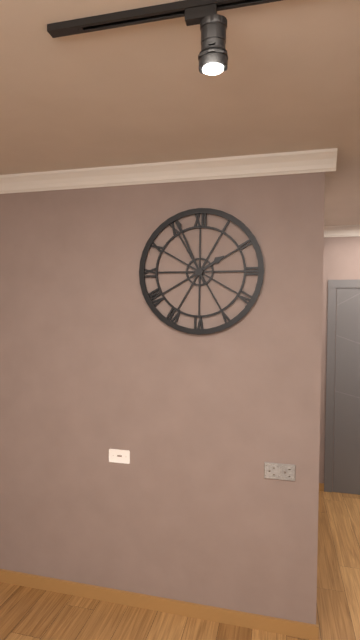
1:56
